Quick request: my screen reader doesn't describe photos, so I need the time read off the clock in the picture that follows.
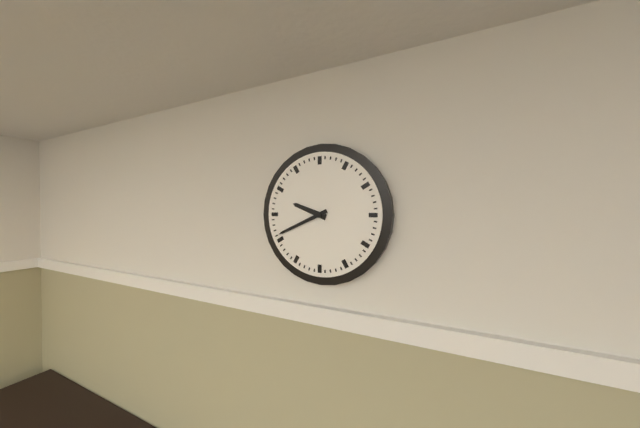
9:41
